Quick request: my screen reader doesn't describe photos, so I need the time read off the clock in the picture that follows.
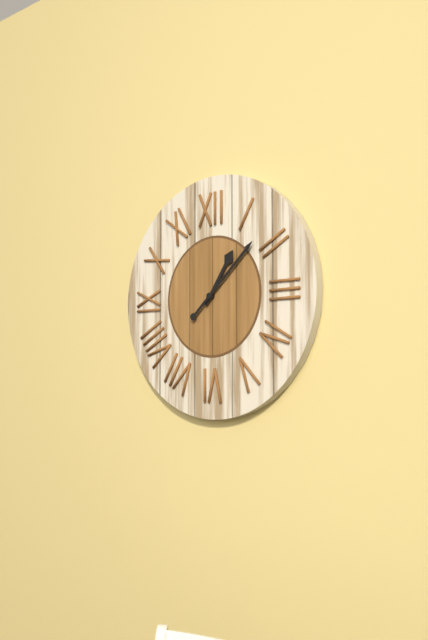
1:08
